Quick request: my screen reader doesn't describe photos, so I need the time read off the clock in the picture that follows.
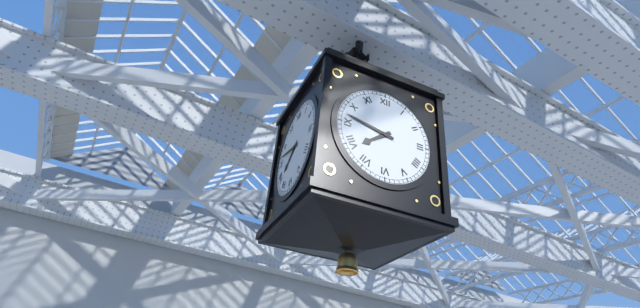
7:47
